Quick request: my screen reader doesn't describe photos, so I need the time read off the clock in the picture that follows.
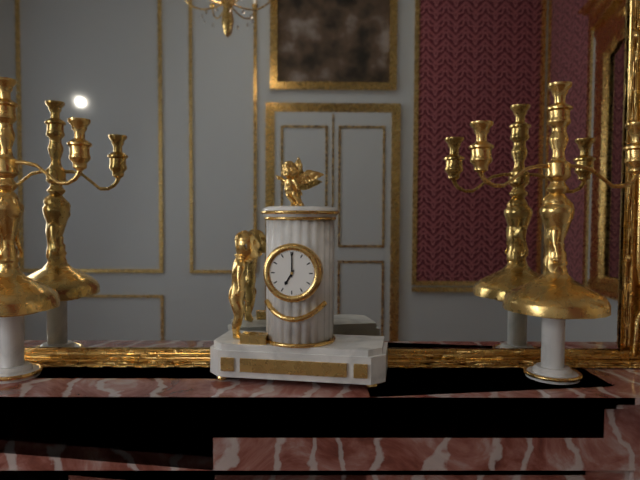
7:00
